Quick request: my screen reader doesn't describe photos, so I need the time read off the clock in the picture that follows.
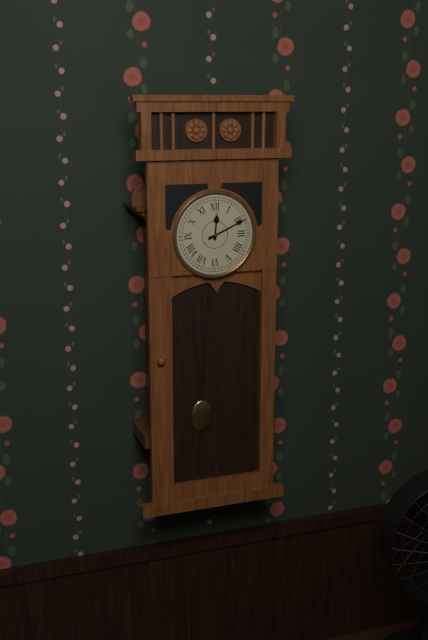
12:11
